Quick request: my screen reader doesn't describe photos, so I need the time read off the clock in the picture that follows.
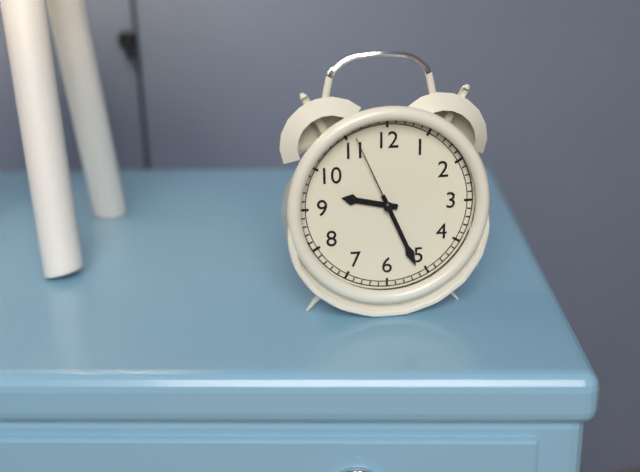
9:26:56
